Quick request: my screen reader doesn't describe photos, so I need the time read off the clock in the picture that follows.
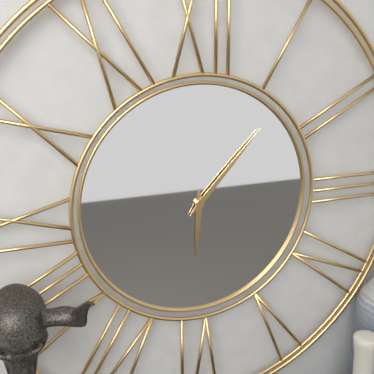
6:07
